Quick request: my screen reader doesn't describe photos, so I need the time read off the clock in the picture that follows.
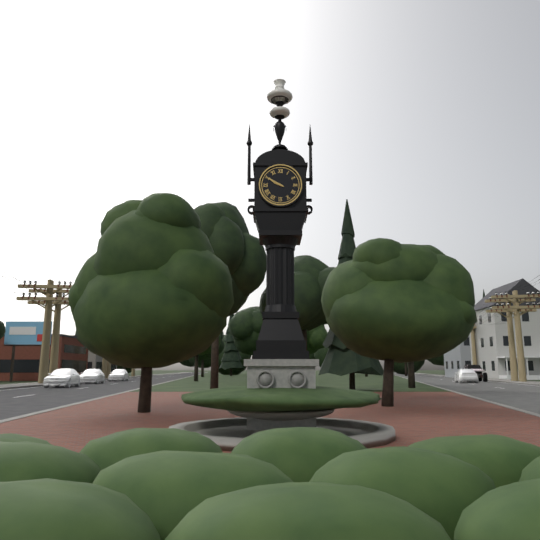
9:50
